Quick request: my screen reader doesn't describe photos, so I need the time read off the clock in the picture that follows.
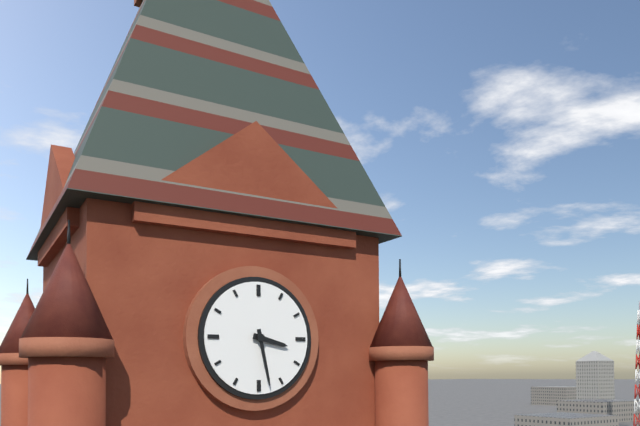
3:28
